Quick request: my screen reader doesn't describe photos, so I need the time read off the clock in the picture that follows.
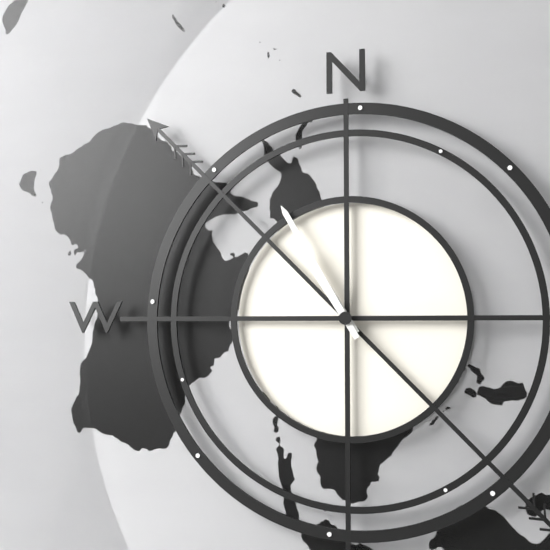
10:55
